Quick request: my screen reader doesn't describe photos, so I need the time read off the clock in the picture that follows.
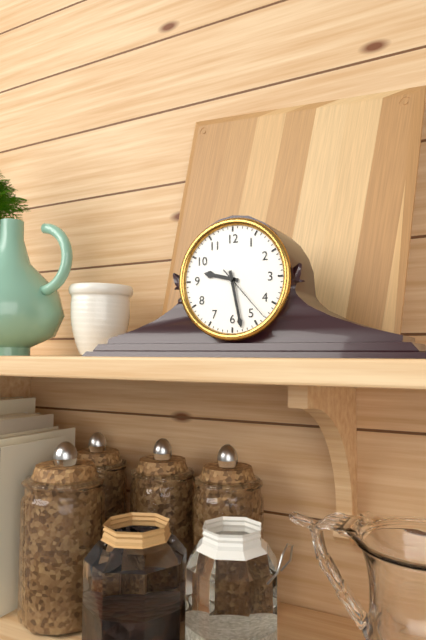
9:28:23
